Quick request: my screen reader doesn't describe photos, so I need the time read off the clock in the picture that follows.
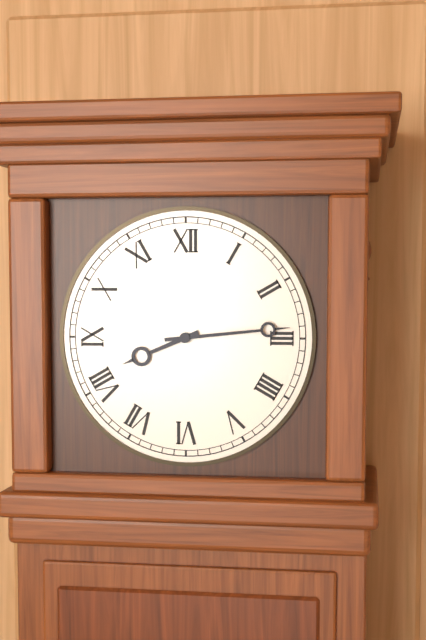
8:14
